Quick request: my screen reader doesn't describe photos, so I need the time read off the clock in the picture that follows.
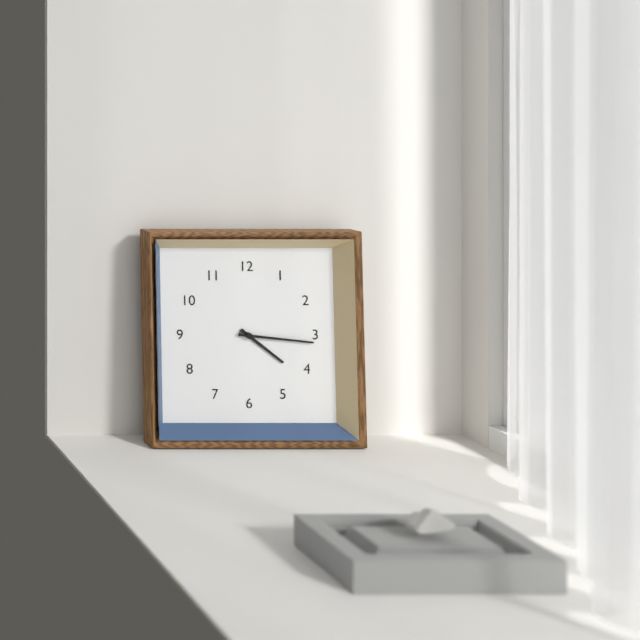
4:16
